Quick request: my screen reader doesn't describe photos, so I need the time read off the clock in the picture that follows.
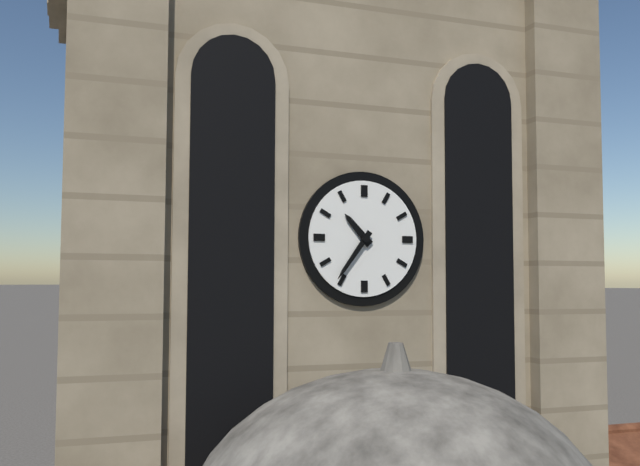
10:36
